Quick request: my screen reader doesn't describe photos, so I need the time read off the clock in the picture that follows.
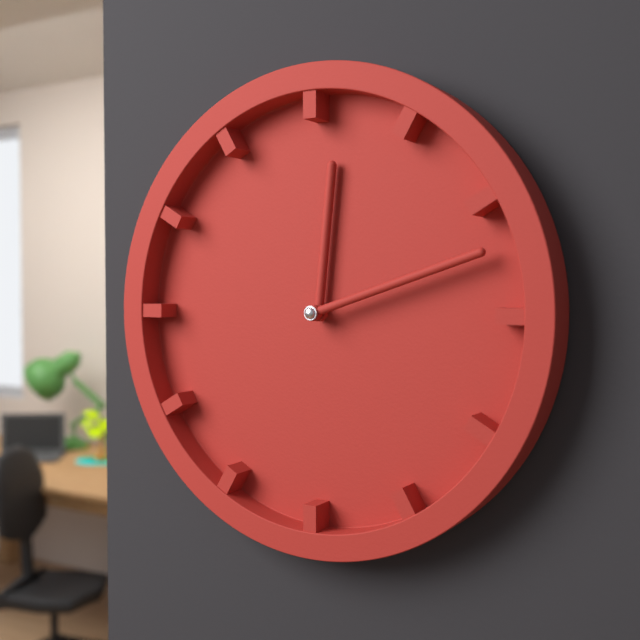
12:12
